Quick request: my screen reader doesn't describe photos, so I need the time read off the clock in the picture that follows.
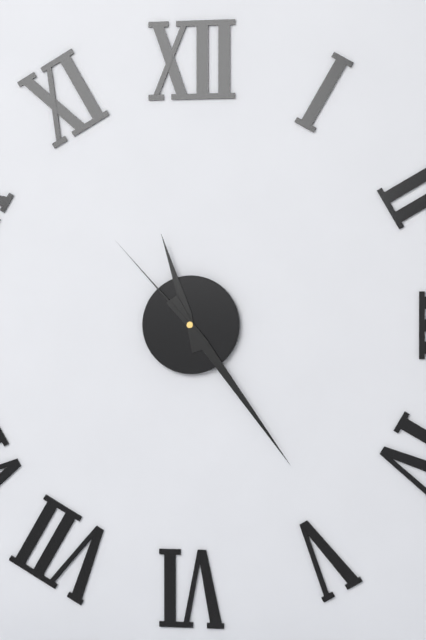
11:24:53
